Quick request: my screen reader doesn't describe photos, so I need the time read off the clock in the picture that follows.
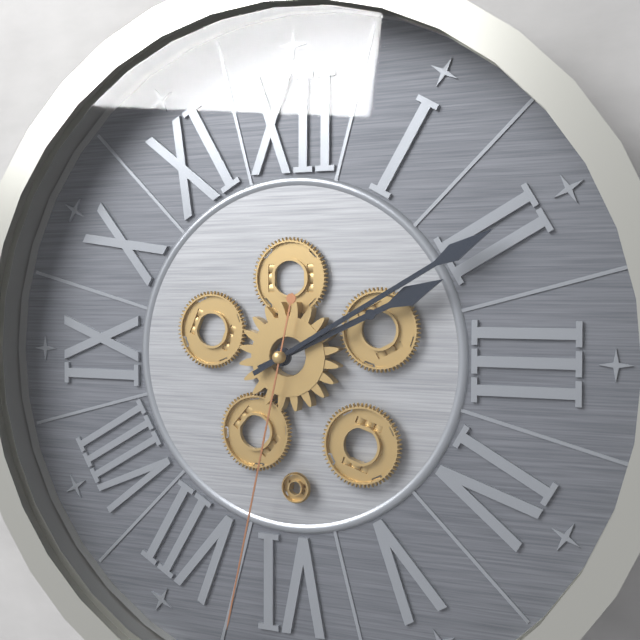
2:10:32
